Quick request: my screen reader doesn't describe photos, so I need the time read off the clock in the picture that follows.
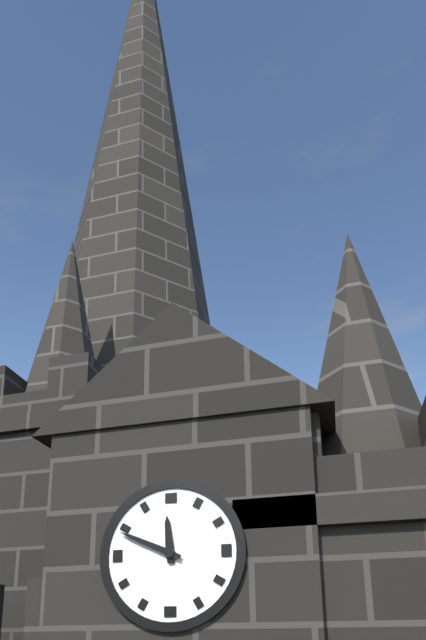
11:49
